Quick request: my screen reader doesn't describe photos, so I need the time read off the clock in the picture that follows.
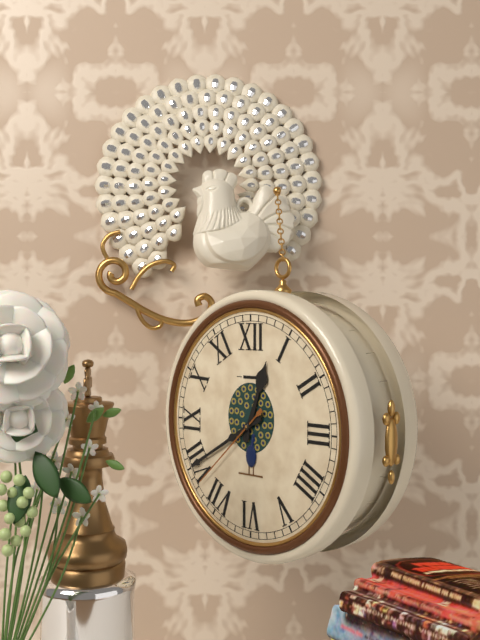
12:40:38
